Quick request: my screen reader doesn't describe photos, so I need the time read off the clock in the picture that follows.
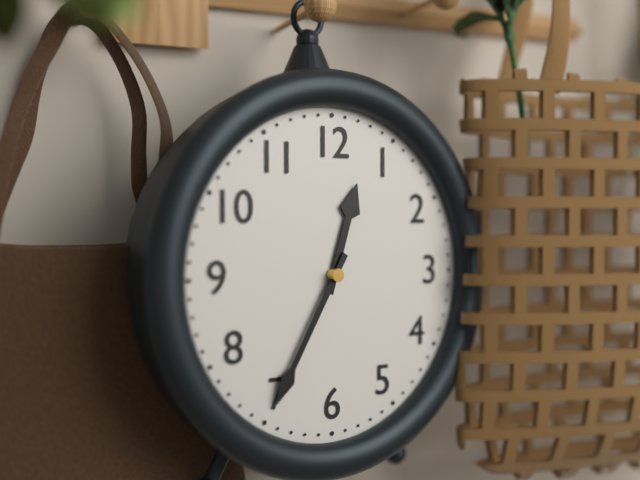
12:35
